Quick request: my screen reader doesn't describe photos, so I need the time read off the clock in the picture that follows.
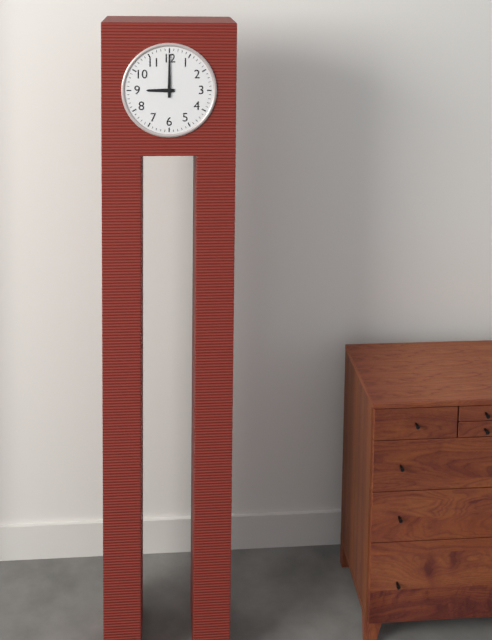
9:00
